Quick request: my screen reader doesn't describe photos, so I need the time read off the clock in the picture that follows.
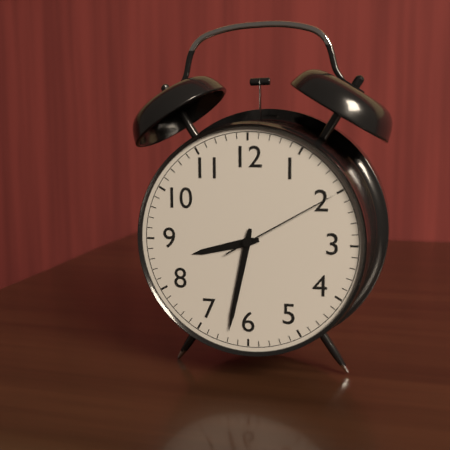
8:32:10
